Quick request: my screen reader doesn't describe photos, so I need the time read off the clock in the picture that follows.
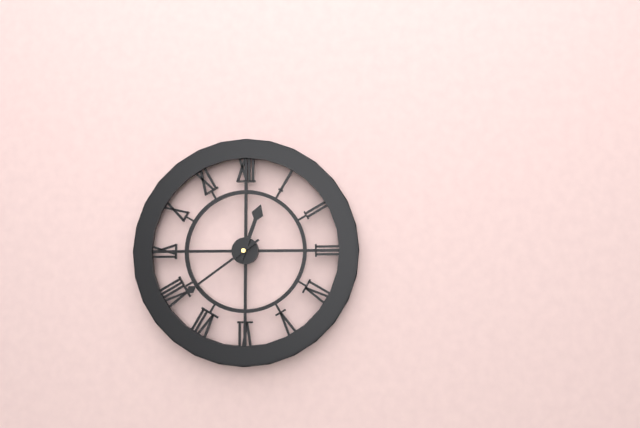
12:39
